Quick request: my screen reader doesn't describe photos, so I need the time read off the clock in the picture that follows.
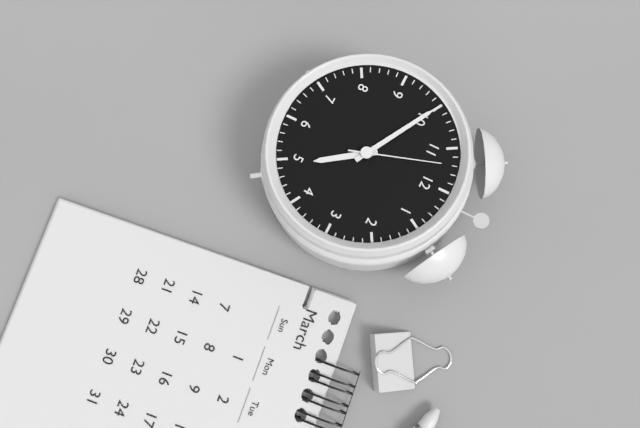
4:50:57
